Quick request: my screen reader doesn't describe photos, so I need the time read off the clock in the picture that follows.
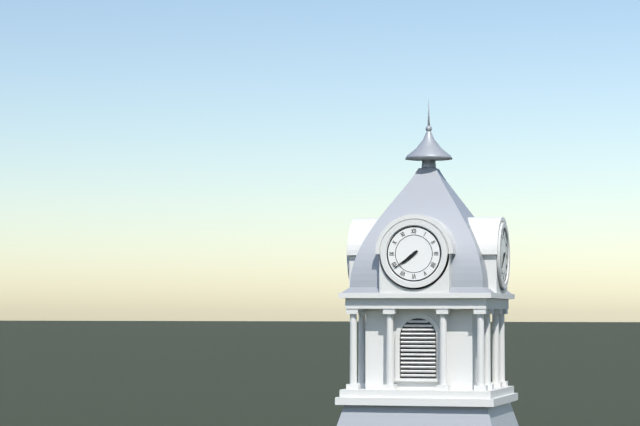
7:39
